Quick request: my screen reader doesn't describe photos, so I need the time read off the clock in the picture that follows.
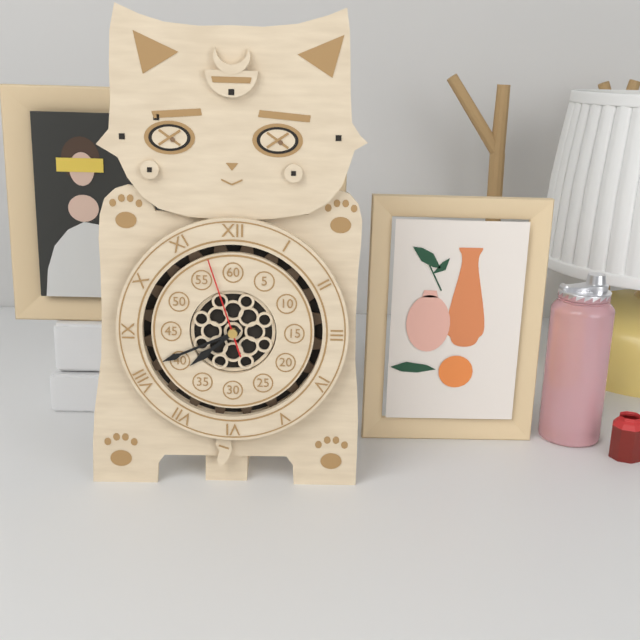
7:41:57
